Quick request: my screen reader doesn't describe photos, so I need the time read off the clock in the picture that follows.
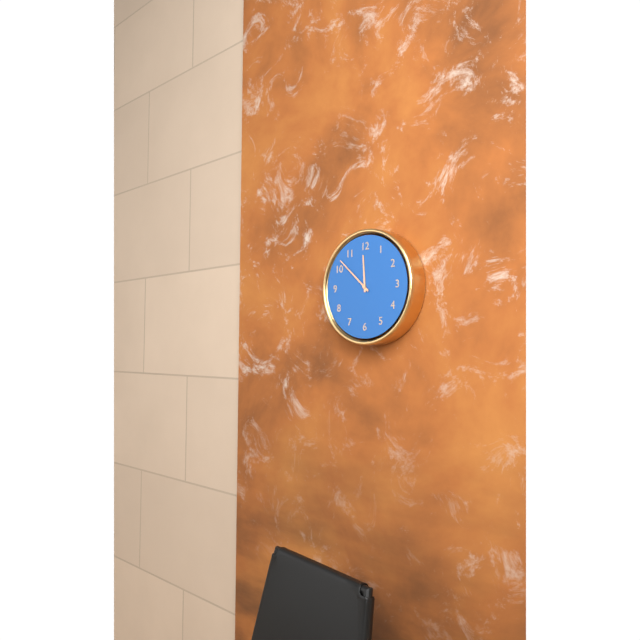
11:52
